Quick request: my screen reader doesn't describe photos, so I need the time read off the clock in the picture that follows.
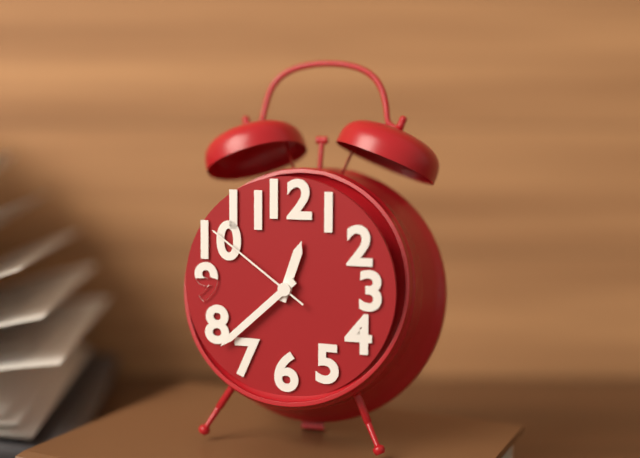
12:38:51
